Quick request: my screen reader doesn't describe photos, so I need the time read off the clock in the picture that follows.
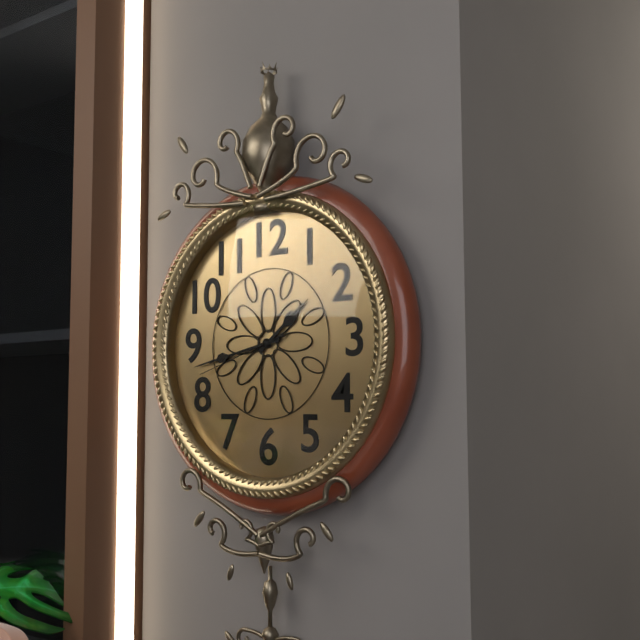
1:43:42
